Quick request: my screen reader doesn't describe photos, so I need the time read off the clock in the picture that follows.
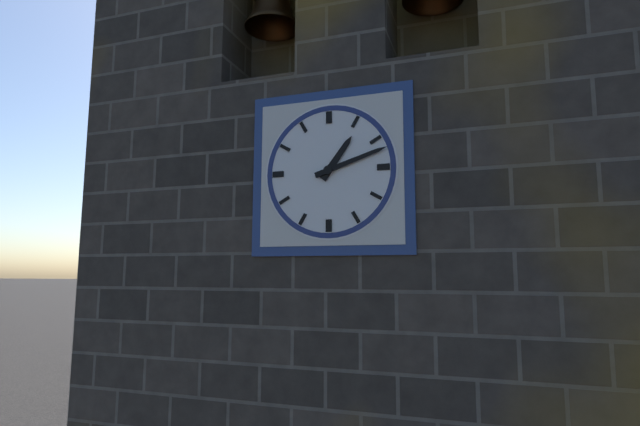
1:12
